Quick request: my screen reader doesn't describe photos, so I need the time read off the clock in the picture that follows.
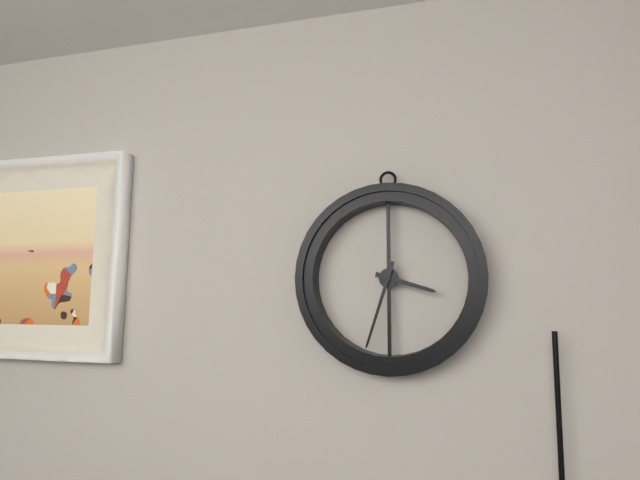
3:33
